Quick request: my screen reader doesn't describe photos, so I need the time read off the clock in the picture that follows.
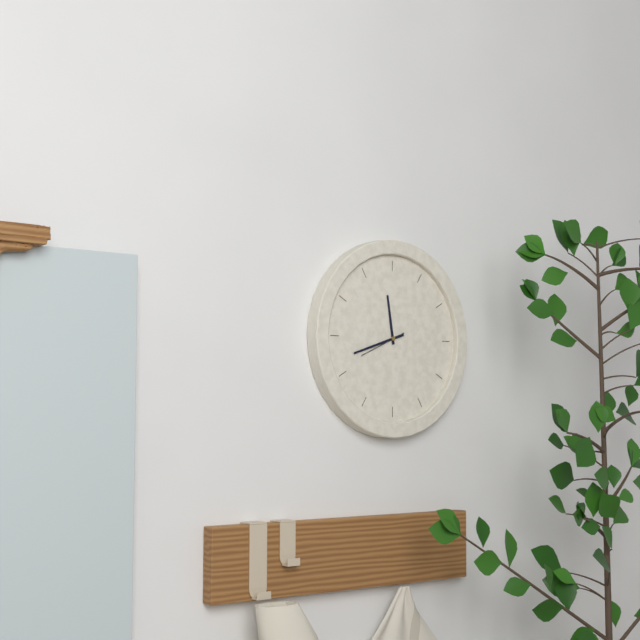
11:42
